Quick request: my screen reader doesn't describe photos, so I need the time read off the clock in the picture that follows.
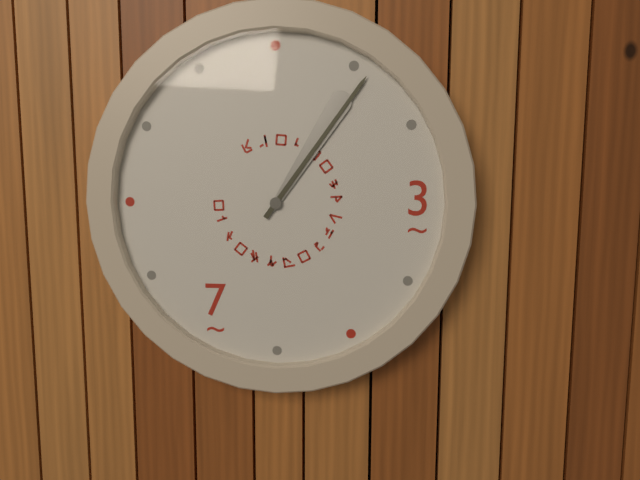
1:06
